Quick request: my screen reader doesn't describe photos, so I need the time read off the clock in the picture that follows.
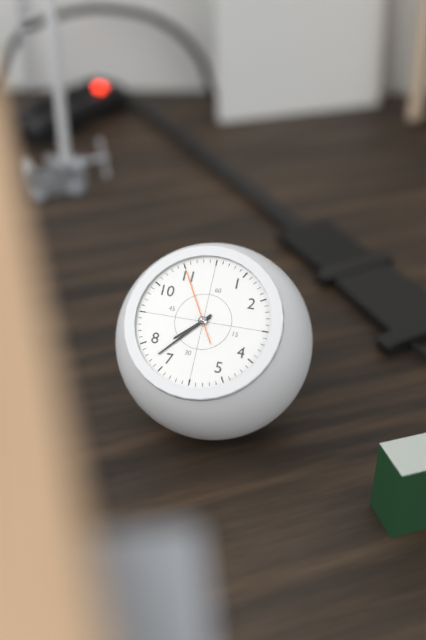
7:37:55
